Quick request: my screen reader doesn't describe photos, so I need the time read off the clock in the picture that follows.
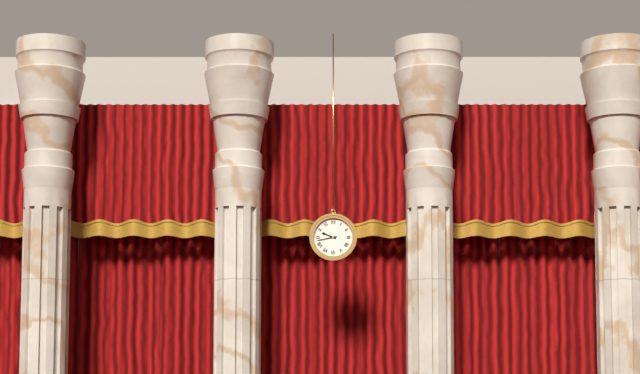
9:43
